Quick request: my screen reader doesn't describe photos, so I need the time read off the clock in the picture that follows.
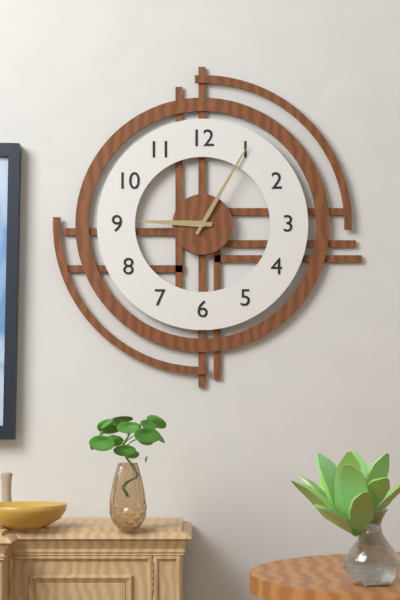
9:05
